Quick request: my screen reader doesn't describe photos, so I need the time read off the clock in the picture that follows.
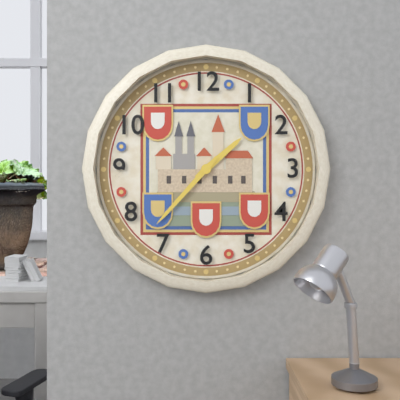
1:37
